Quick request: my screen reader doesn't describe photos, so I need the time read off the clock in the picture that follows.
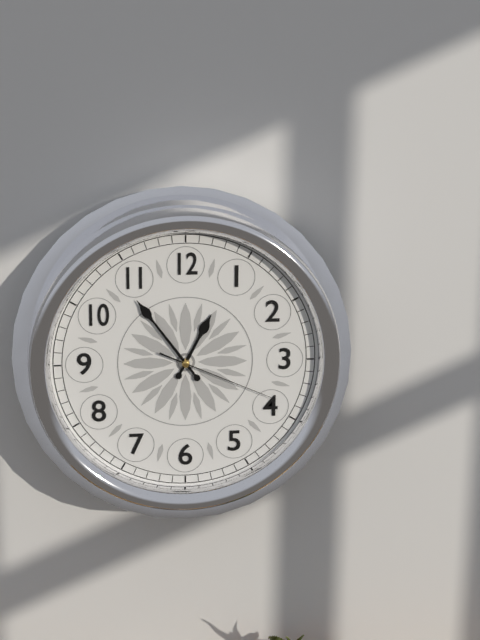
12:54:19
